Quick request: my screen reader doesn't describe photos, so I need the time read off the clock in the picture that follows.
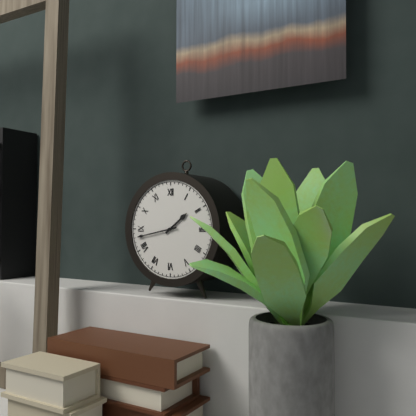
1:43
